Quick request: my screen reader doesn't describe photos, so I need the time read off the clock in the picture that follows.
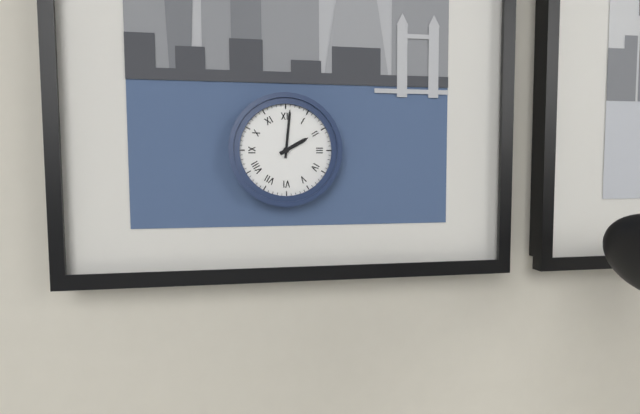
2:01
